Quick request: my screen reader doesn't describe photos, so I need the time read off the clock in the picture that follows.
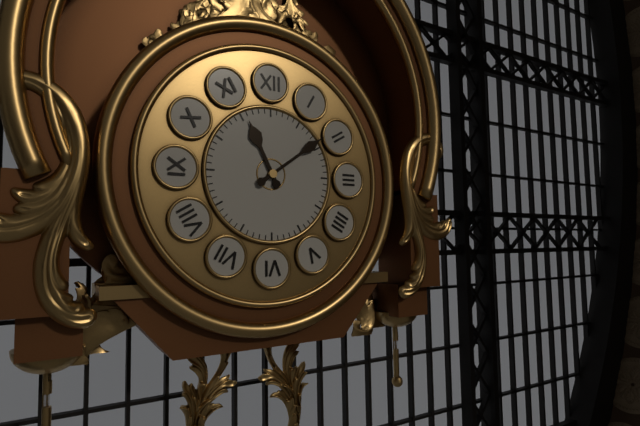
11:09
